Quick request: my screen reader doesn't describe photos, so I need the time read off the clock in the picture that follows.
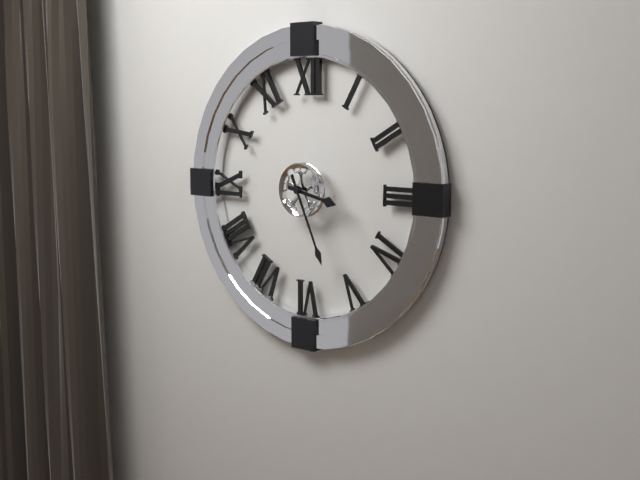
3:26
